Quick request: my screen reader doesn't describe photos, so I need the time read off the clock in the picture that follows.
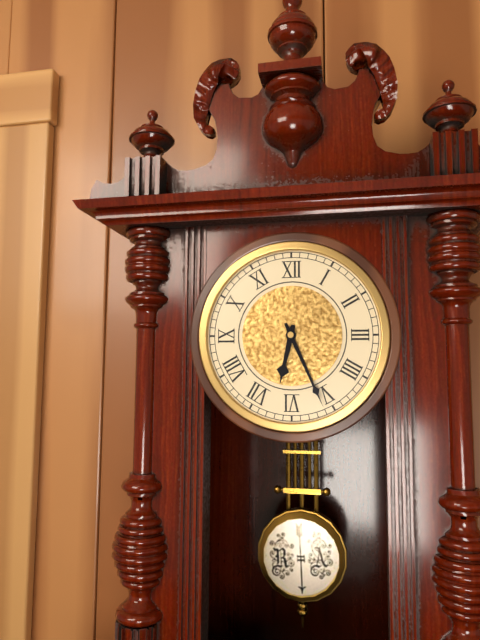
6:26
